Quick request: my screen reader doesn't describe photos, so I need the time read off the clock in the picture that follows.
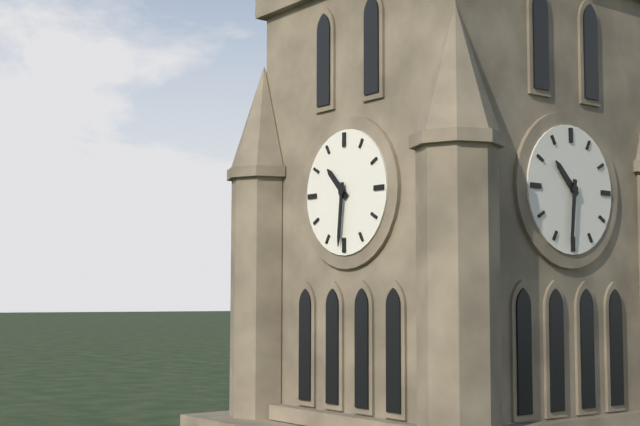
10:31
